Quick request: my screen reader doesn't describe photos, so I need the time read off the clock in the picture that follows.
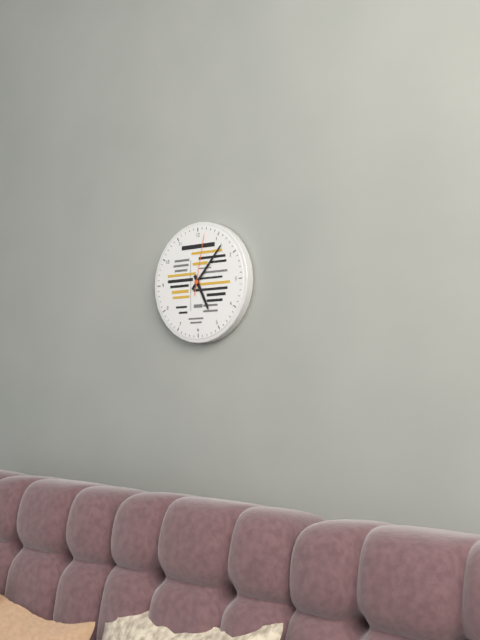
5:07:02
